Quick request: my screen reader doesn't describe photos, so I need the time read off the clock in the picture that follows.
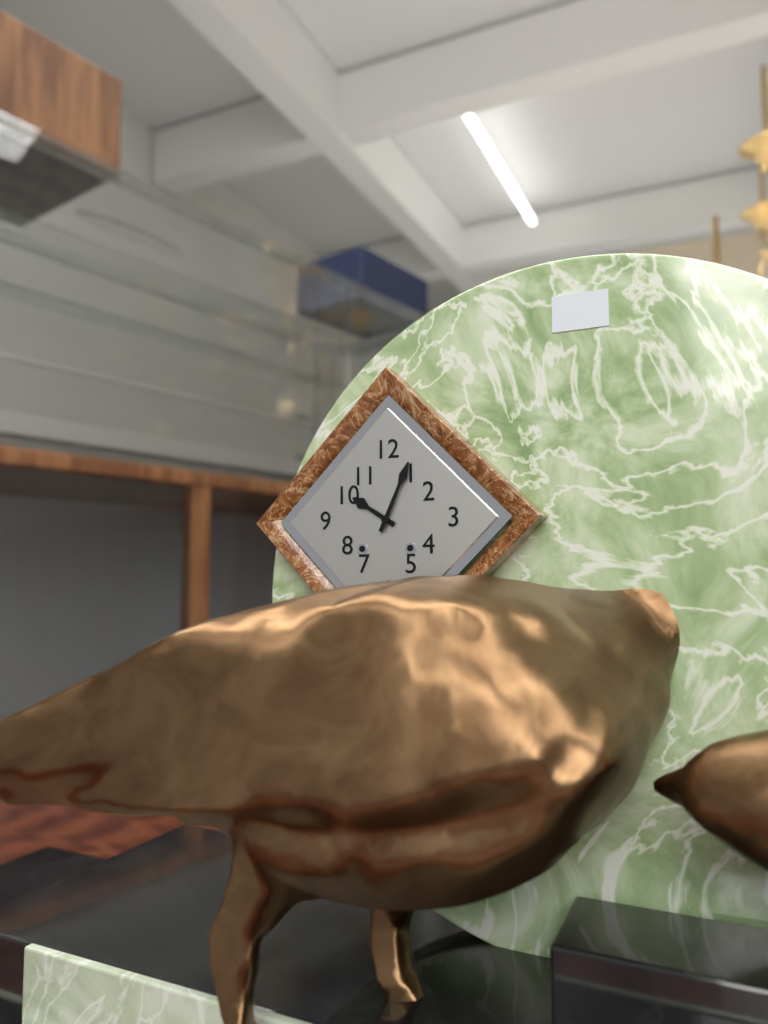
10:04
